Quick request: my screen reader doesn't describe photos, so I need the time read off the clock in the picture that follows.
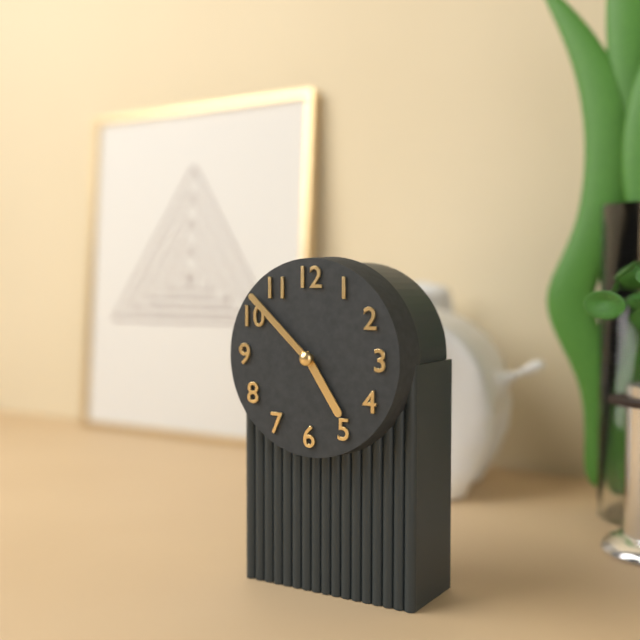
4:52
